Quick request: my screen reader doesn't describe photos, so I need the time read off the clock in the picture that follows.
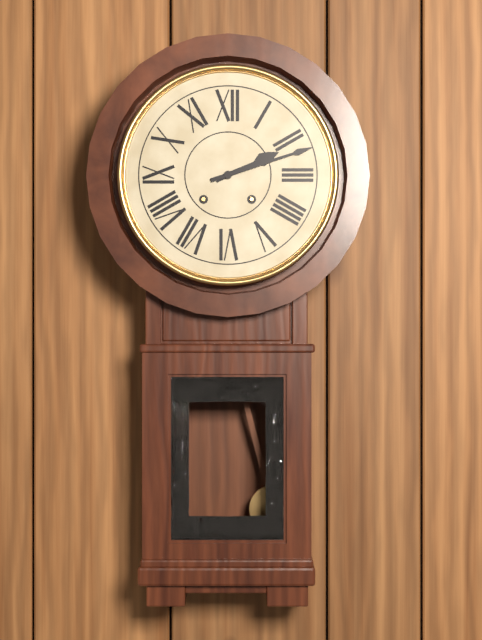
2:12
